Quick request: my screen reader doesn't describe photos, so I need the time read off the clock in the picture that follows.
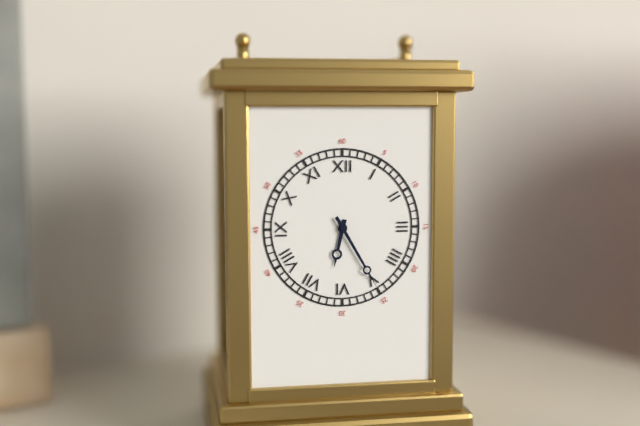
6:25
